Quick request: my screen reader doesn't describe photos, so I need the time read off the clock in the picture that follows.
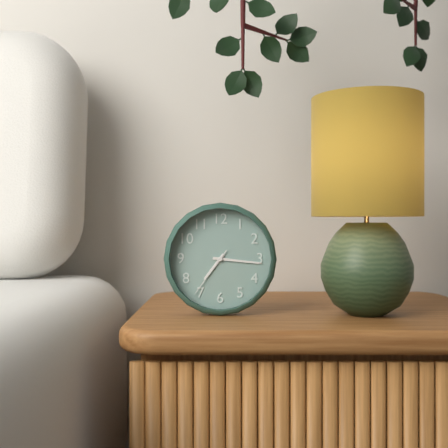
7:16:36
